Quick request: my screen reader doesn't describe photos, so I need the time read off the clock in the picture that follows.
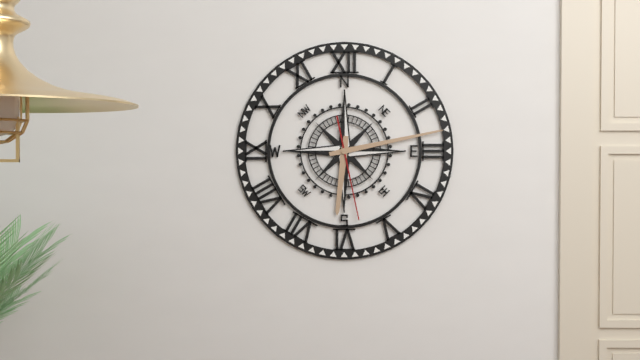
6:13:28
